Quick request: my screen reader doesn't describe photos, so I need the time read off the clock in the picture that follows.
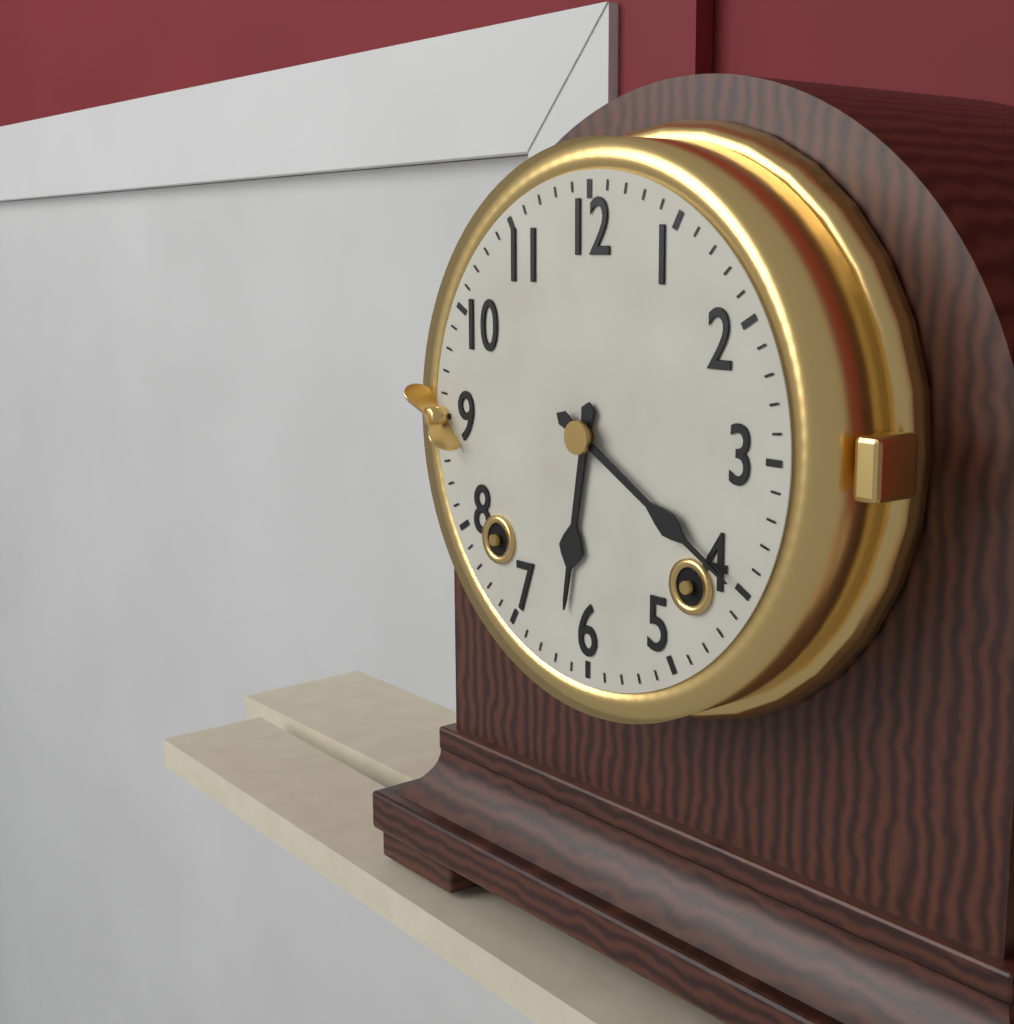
6:20
